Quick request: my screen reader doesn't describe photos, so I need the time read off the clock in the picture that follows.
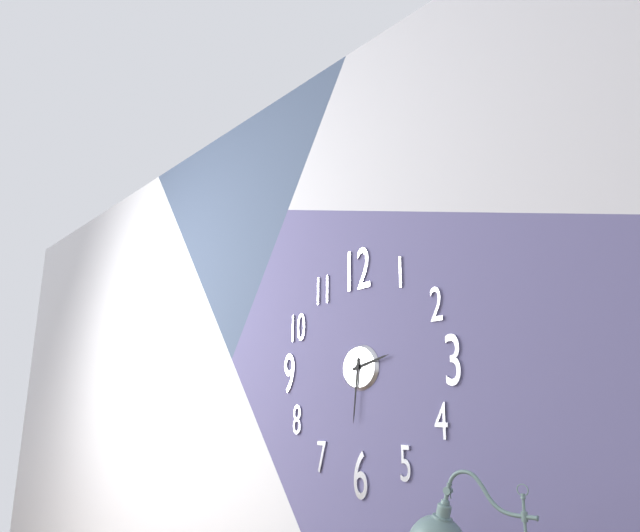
2:31
